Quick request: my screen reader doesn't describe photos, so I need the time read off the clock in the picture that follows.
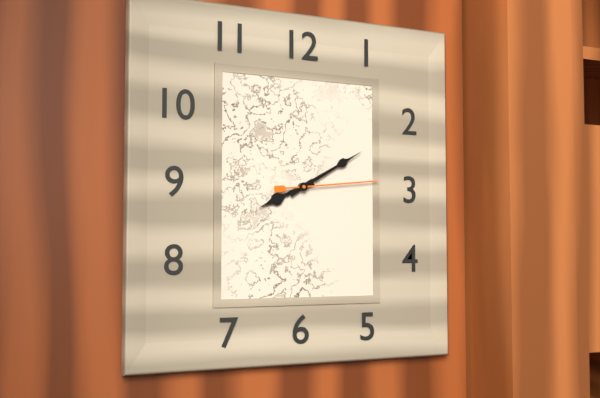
8:10:14
